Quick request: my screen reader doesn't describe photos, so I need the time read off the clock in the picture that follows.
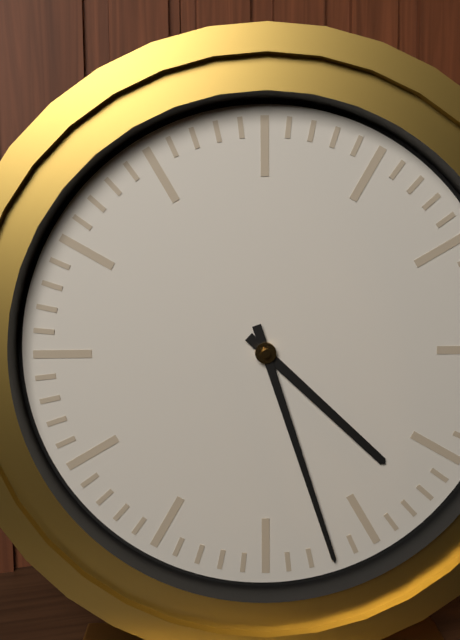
4:27
